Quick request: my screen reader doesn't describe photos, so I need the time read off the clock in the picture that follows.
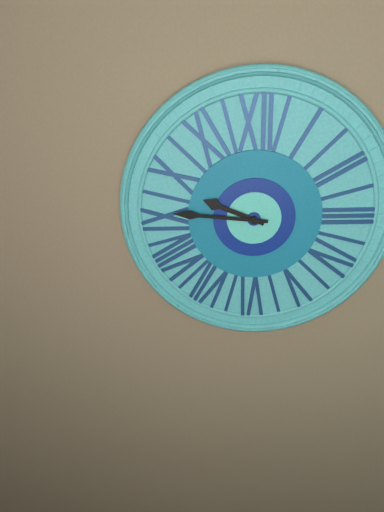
9:46
